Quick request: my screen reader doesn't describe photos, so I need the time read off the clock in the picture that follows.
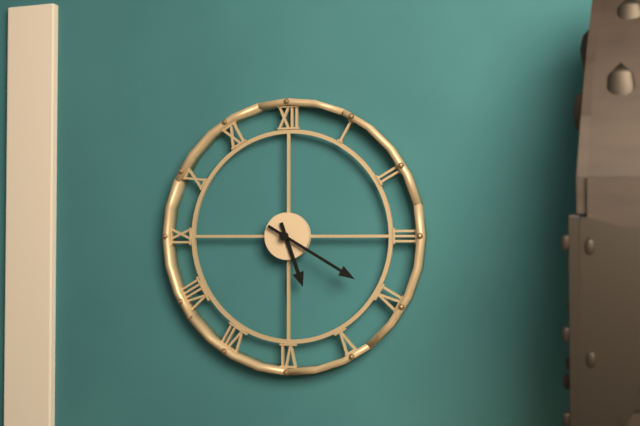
5:20
